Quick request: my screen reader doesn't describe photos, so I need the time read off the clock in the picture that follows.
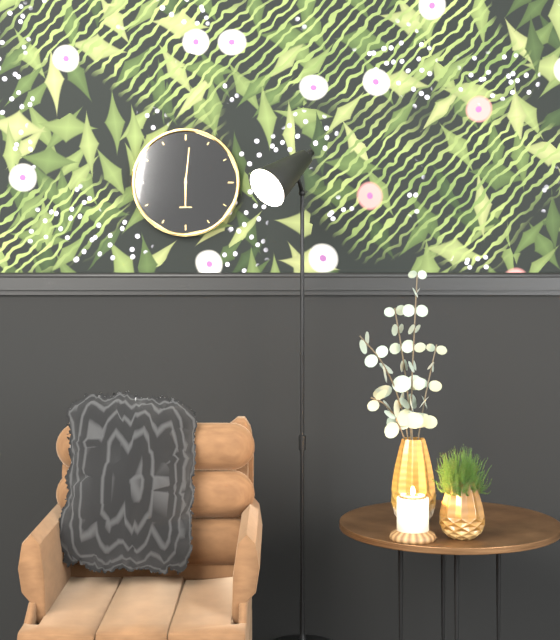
6:01
